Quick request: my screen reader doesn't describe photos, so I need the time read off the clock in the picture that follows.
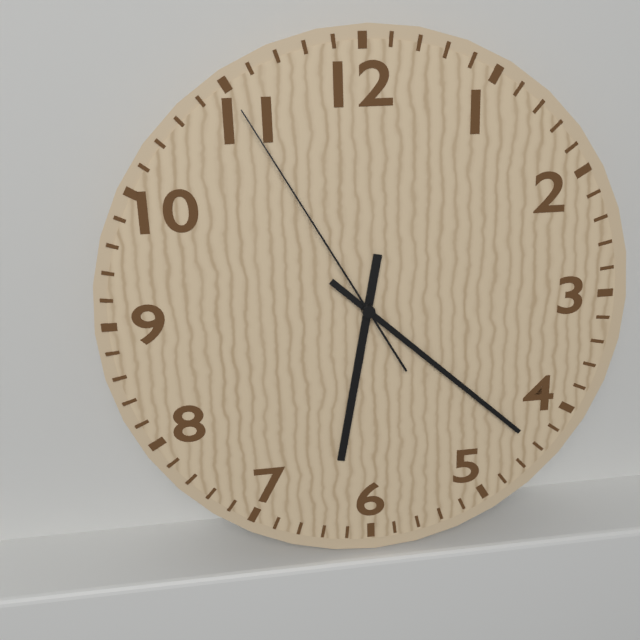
6:22:55
